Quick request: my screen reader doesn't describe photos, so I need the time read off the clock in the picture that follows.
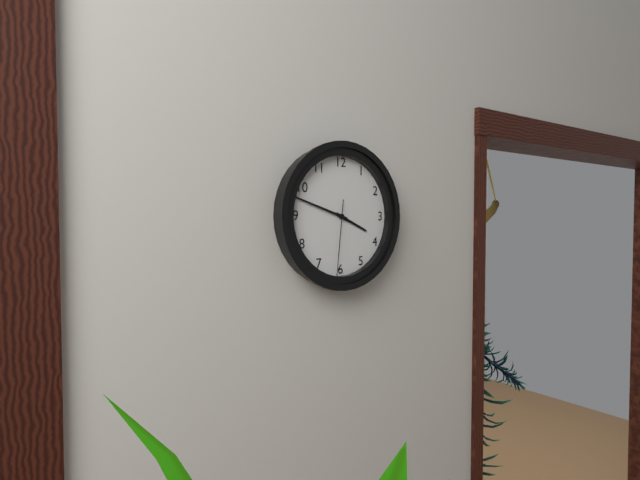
3:48:31
